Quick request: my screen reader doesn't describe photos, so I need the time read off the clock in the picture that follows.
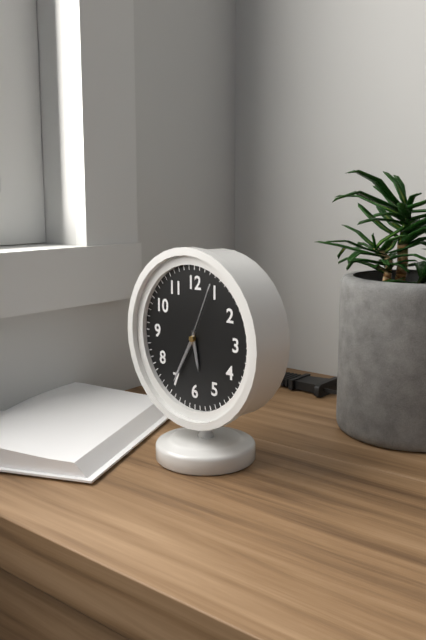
5:35:04
